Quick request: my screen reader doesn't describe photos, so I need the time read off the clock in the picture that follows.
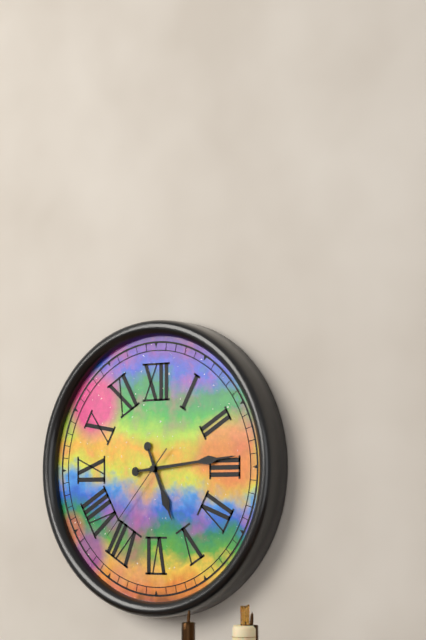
5:14:37
